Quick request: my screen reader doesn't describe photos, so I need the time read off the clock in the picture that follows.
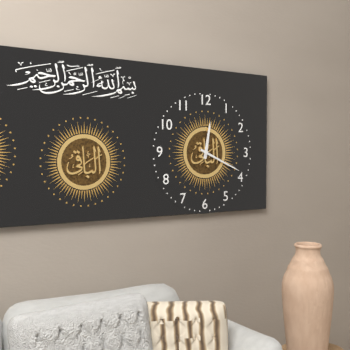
12:19
